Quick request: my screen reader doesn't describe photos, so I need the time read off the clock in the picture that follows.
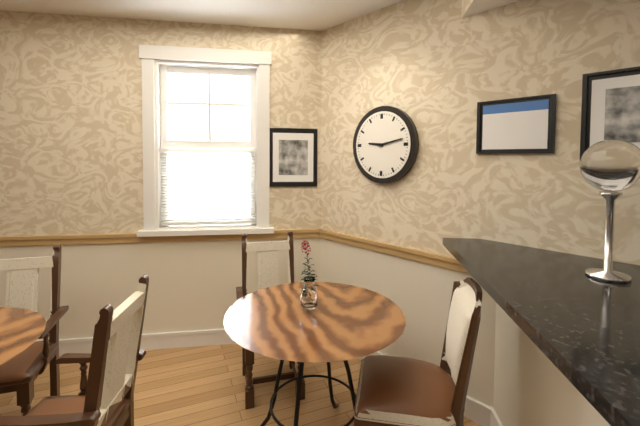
9:13
